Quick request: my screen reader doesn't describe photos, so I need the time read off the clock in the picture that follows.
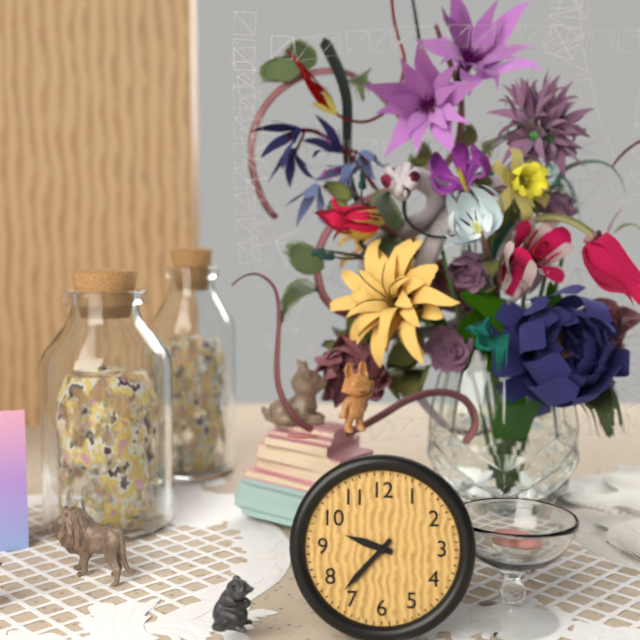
9:37
